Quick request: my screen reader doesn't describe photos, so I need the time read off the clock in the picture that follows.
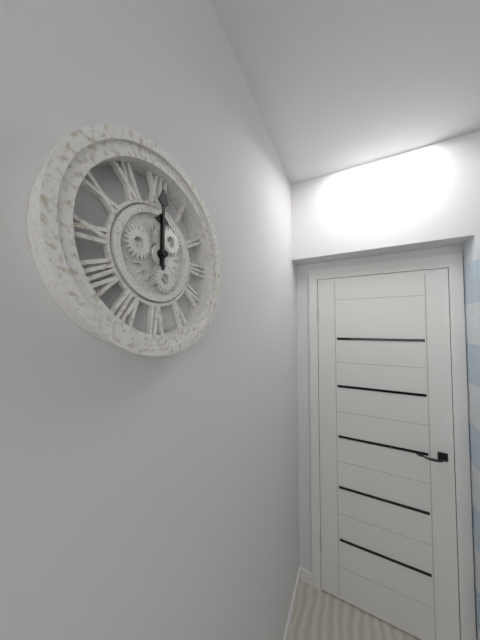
12:00
